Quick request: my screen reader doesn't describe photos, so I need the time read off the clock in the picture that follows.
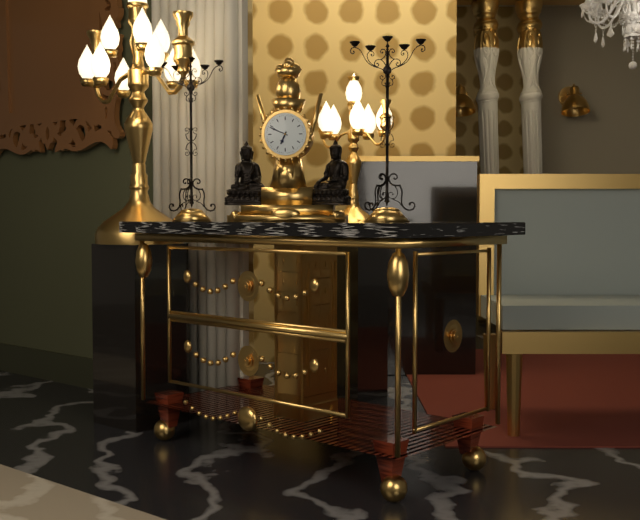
6:49
